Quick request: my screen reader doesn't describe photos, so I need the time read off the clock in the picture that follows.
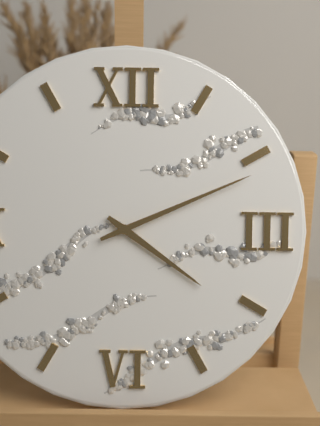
4:11
